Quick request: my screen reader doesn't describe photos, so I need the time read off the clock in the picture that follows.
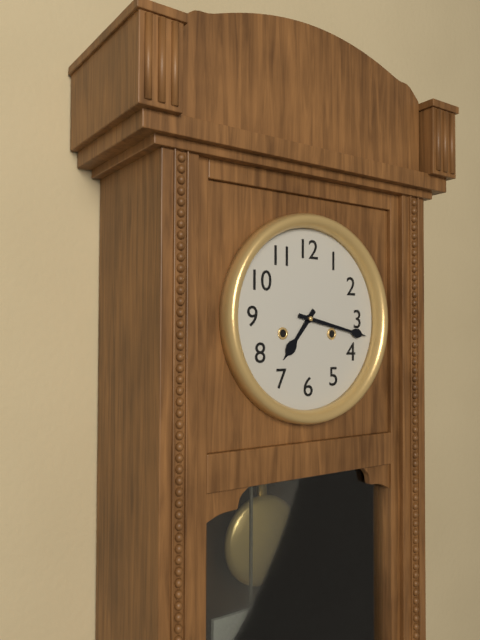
7:17
